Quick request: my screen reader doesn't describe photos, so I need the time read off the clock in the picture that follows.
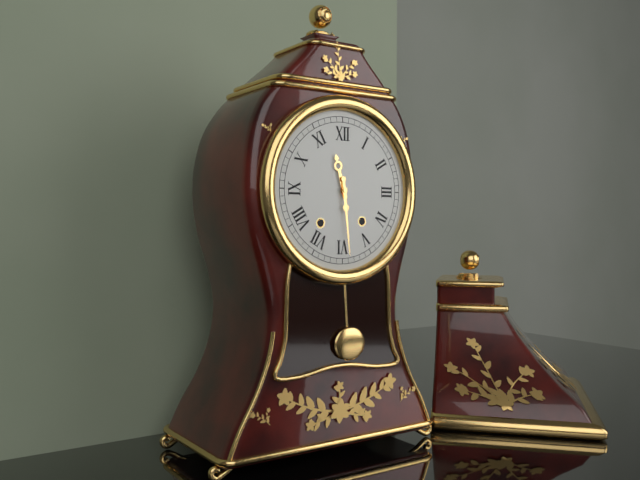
11:29
